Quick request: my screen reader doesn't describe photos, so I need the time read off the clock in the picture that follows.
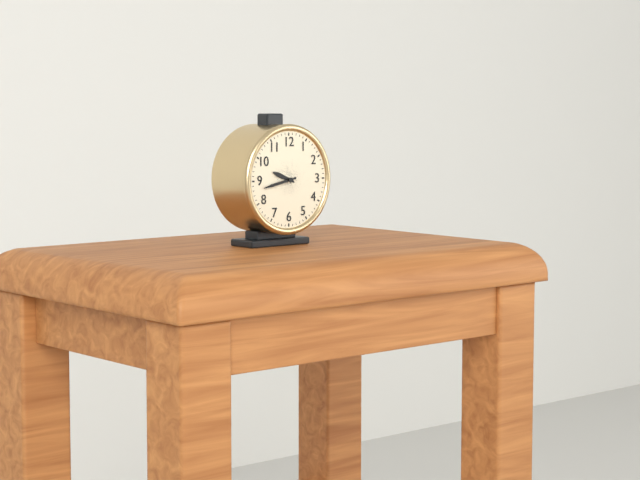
9:43
